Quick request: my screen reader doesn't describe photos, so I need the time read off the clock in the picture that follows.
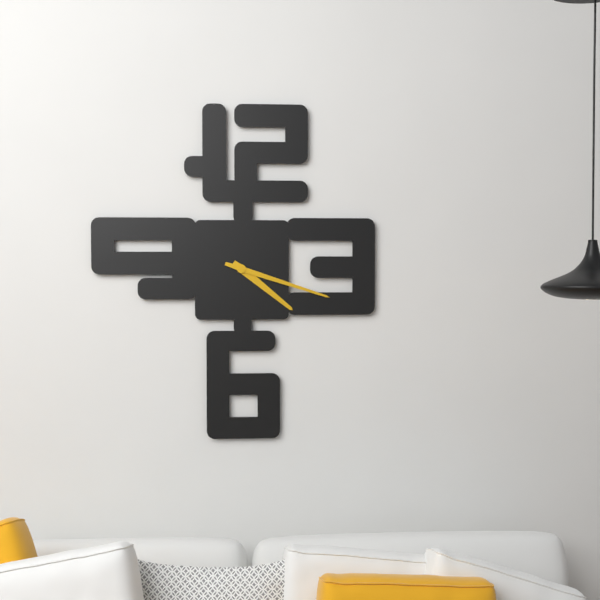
4:18
